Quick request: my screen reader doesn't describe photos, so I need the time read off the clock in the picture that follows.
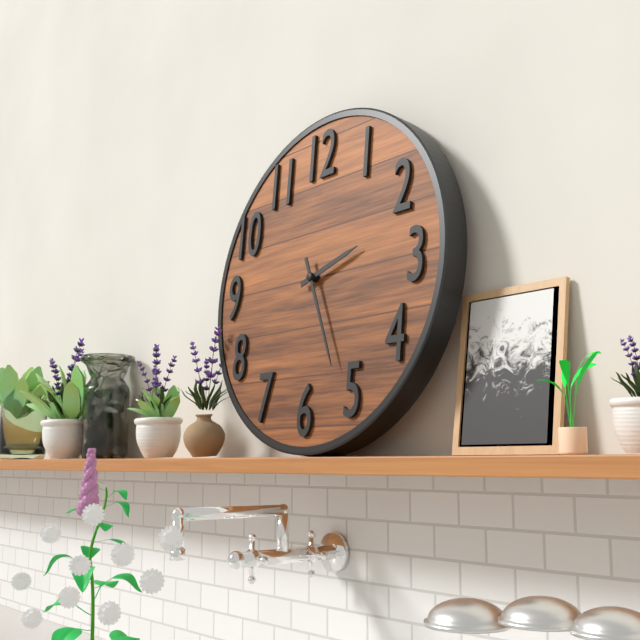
2:26
